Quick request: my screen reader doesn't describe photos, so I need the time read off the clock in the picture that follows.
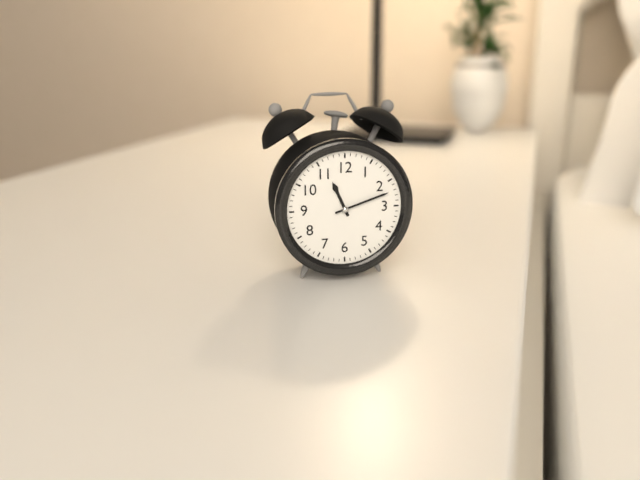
11:12
